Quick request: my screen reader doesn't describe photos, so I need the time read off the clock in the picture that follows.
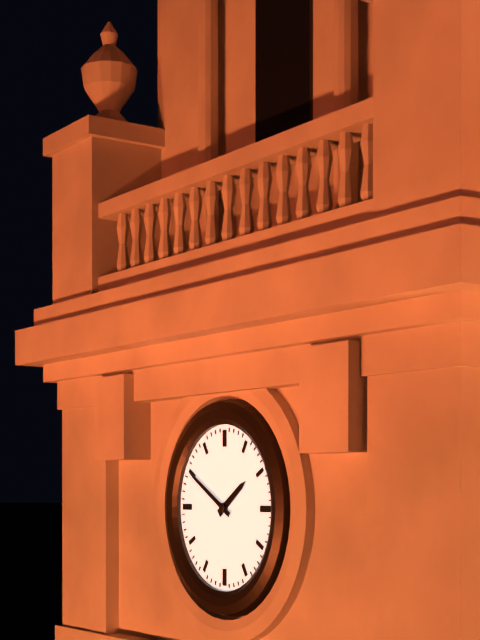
1:50
